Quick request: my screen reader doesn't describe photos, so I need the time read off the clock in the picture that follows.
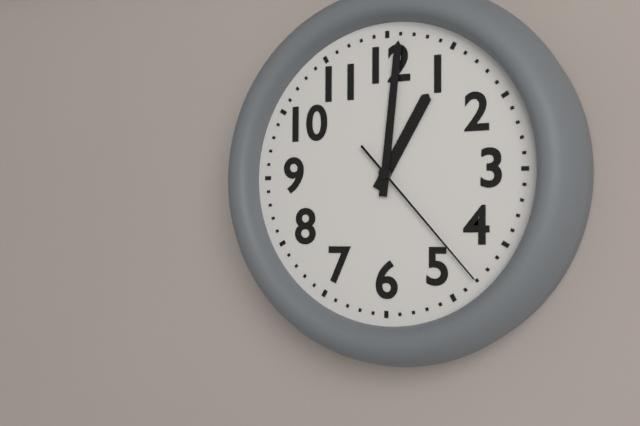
1:01:23
